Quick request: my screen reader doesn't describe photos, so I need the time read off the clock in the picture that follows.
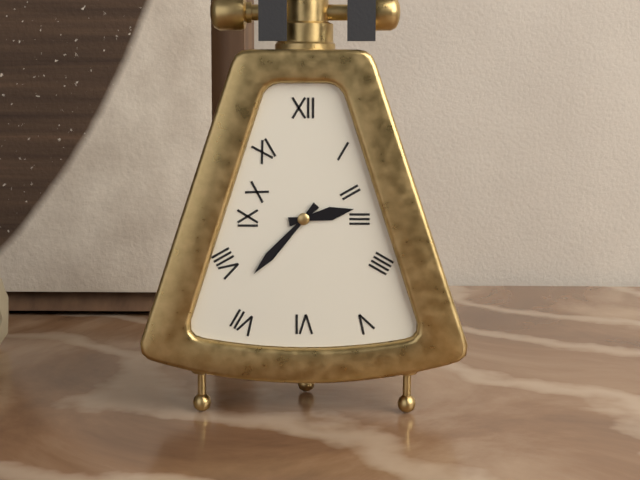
2:37
